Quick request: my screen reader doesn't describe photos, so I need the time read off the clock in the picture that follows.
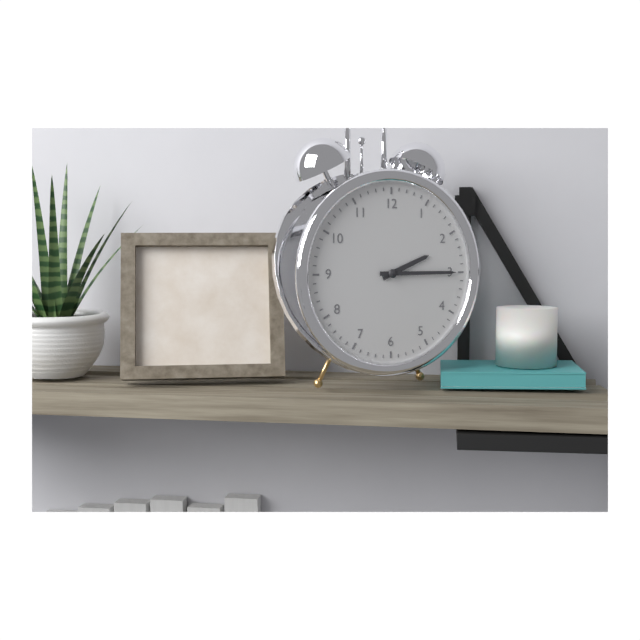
2:15
